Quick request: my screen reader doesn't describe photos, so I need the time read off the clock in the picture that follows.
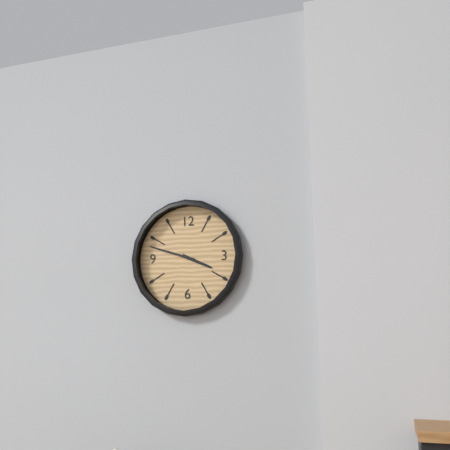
3:48
